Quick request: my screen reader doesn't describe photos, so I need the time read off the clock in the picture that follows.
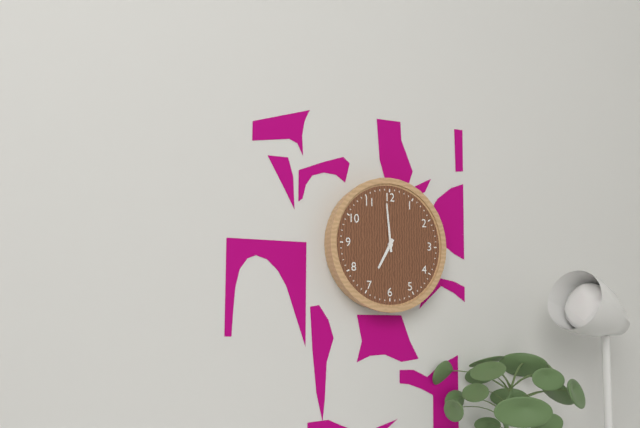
6:59
